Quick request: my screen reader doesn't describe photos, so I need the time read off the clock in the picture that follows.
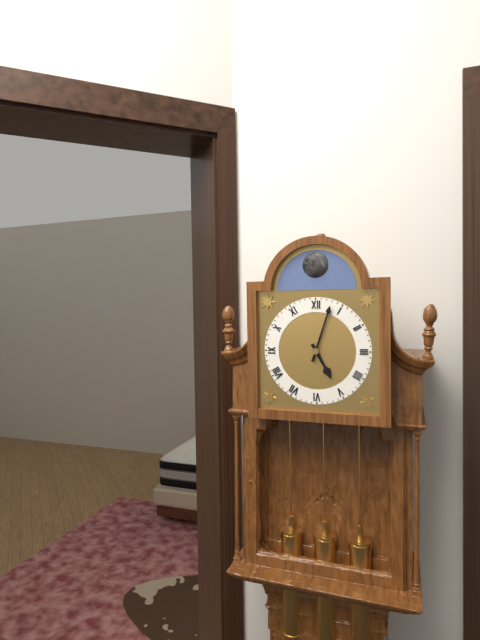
5:03
